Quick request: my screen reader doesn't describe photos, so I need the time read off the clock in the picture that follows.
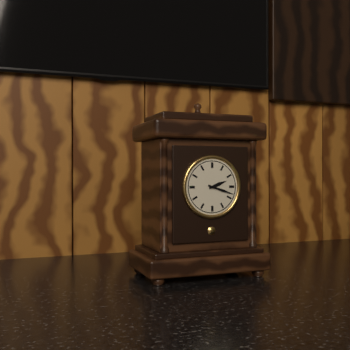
2:18
